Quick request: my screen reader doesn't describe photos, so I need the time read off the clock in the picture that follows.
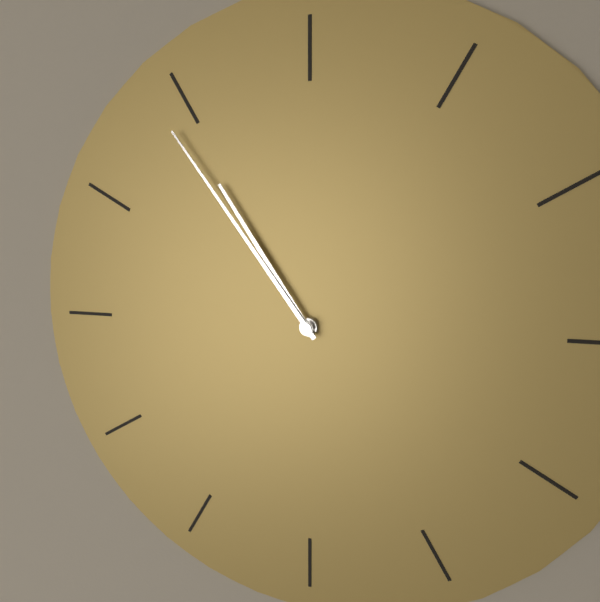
10:54
